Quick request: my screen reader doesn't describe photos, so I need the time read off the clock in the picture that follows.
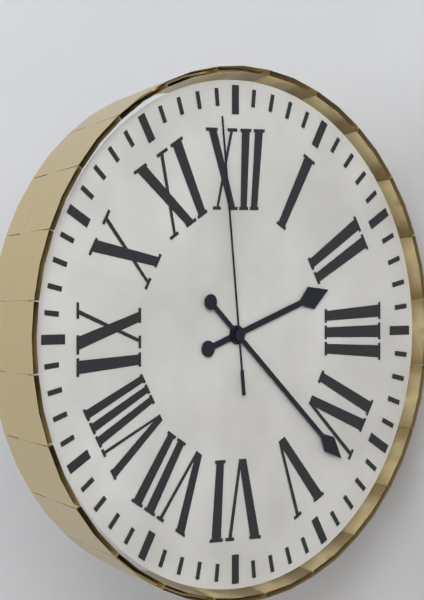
2:22:59
